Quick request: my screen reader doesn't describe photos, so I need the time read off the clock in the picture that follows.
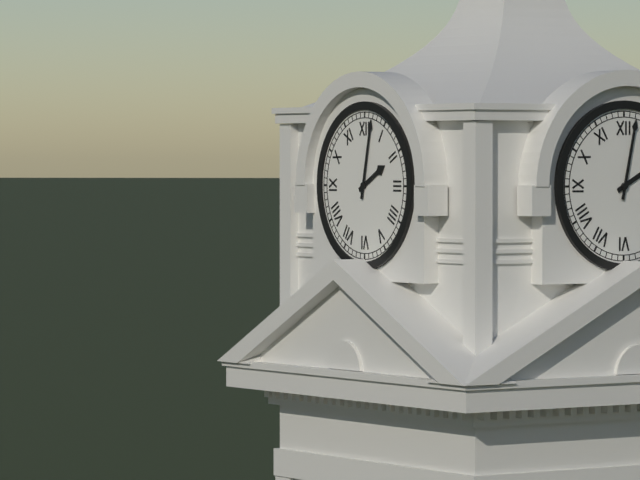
2:02
